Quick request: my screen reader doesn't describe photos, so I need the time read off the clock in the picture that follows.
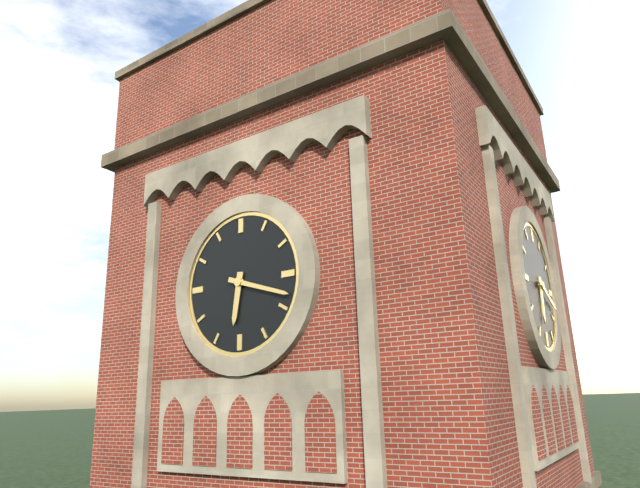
6:18
